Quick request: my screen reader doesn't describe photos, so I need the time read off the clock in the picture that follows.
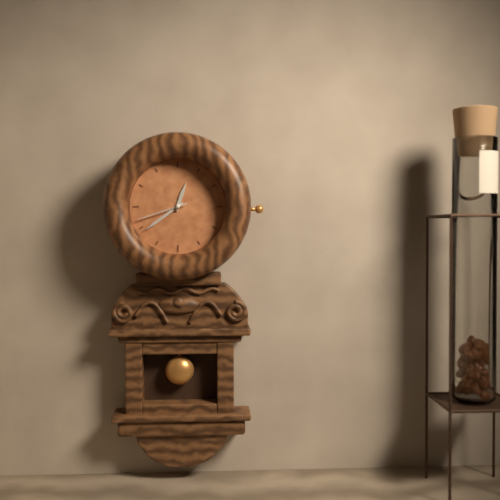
12:39:42
